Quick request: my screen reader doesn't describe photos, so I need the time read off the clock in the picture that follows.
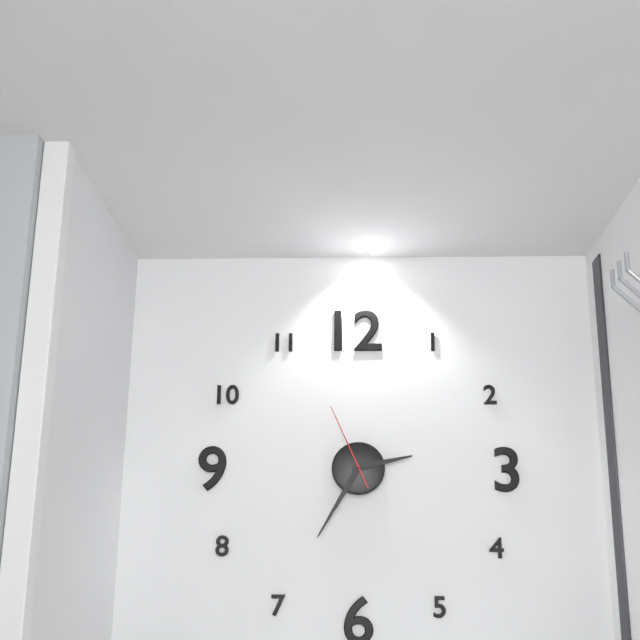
2:35:56
